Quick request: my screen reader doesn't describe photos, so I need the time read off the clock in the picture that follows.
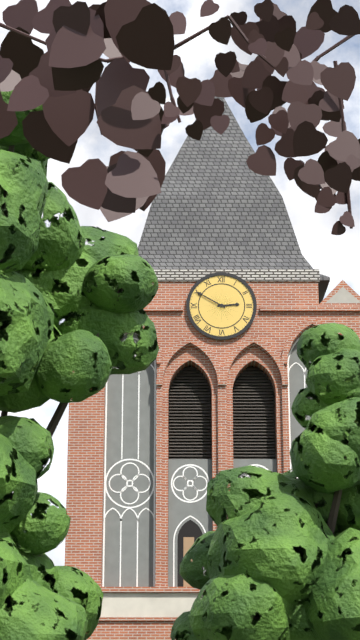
2:50
